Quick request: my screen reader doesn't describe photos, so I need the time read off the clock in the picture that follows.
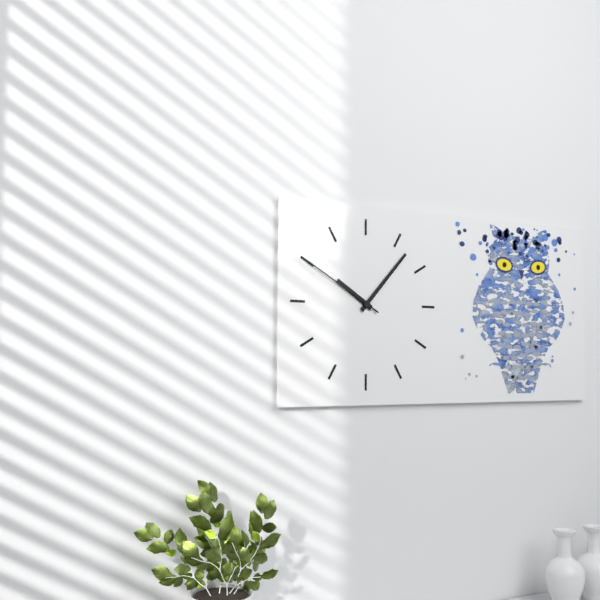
10:07:50
